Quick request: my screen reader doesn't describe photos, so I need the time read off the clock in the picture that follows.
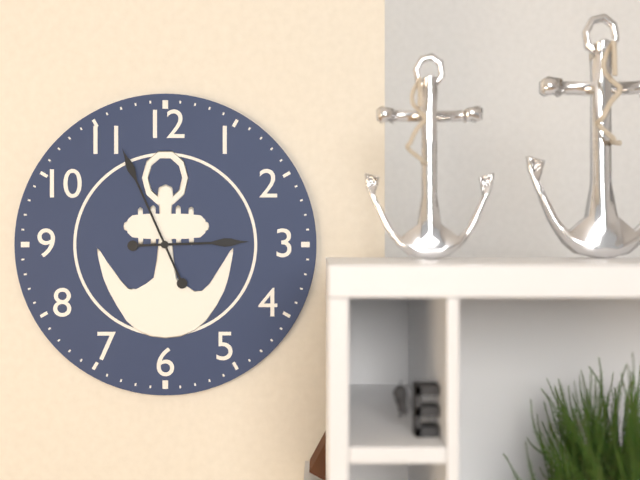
2:56
